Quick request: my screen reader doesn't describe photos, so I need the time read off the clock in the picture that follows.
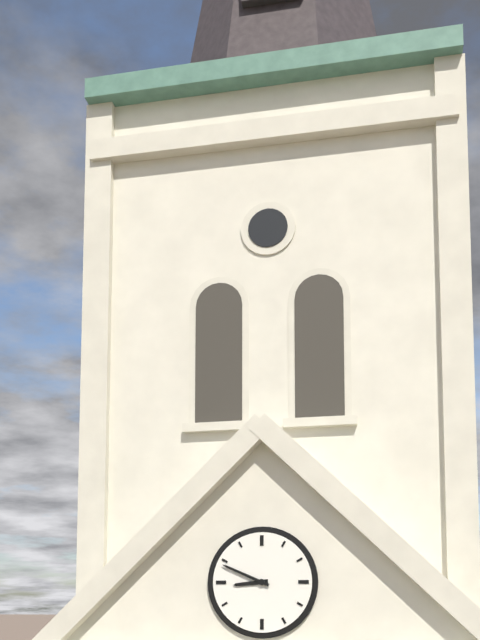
8:49
